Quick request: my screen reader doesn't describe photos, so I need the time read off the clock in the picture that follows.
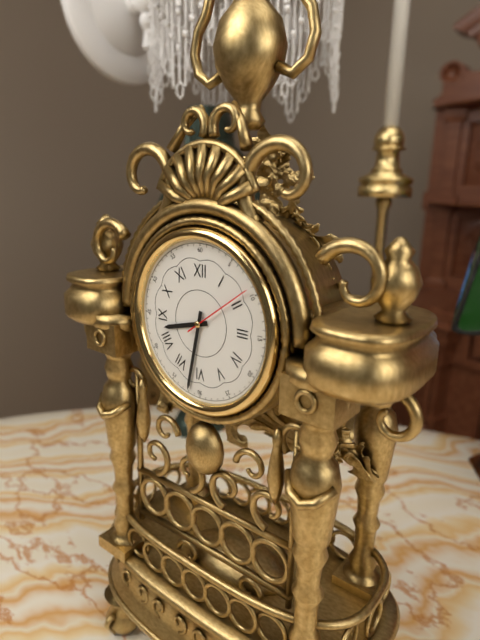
8:32:09
